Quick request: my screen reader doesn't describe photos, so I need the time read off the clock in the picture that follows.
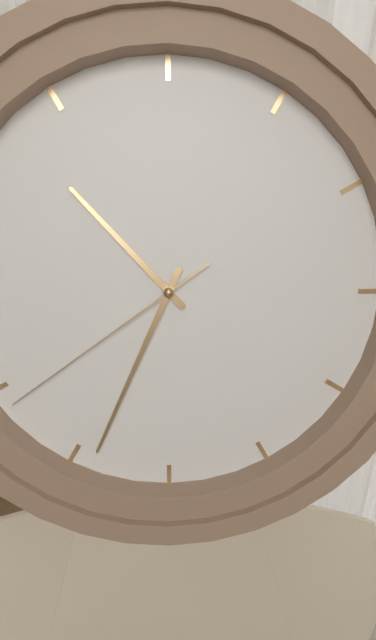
10:34:39
